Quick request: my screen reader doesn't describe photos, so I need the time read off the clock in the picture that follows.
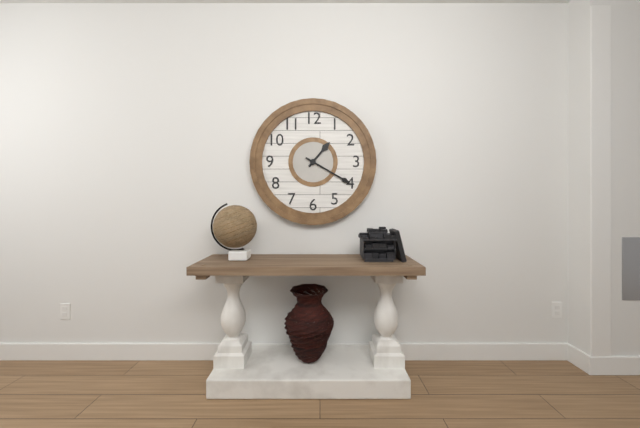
1:20
